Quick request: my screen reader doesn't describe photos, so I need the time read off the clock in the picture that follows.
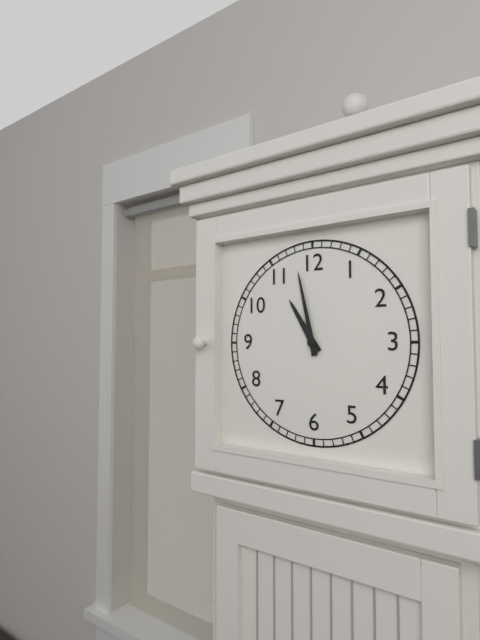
10:58
